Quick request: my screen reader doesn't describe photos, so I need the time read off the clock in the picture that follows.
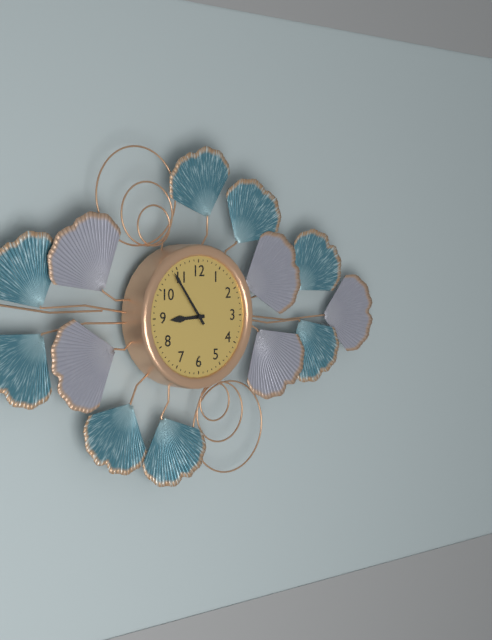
8:54
